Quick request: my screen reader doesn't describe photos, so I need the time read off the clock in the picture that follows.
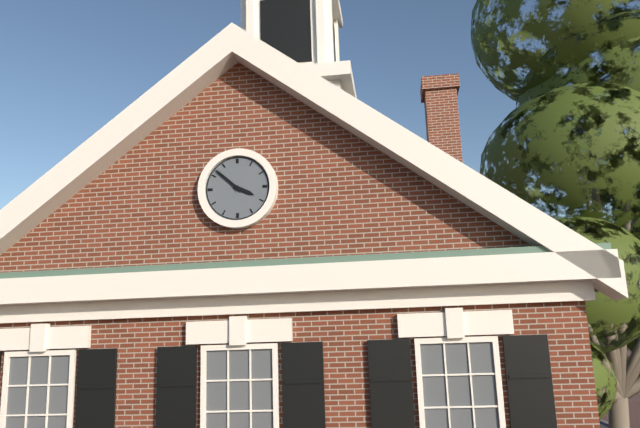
3:52
